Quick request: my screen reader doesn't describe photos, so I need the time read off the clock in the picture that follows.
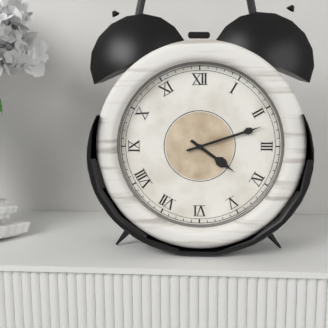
4:12
